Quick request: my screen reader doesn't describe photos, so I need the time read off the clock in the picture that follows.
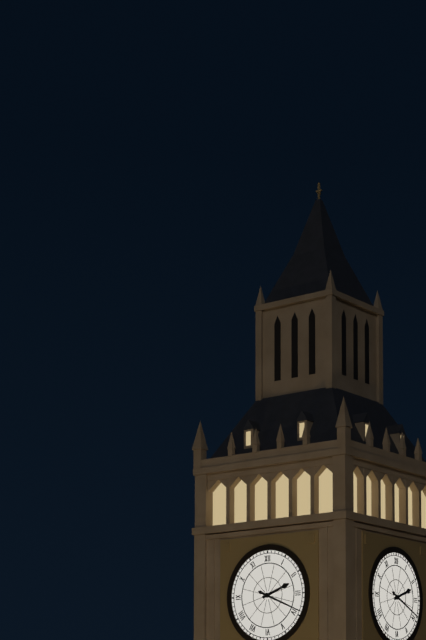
2:19
